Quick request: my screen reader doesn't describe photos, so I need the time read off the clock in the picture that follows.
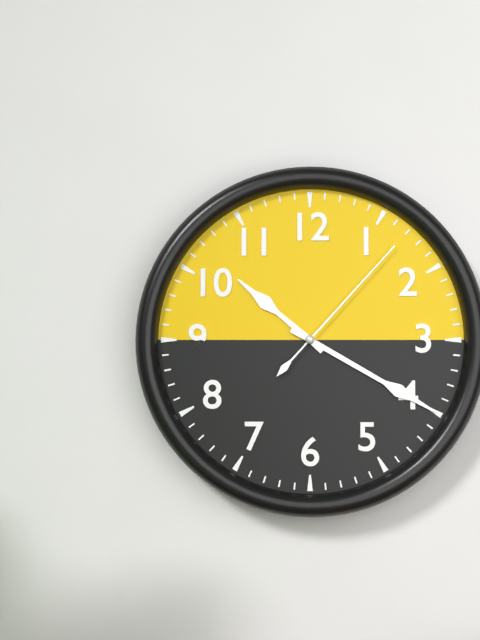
10:20:07
